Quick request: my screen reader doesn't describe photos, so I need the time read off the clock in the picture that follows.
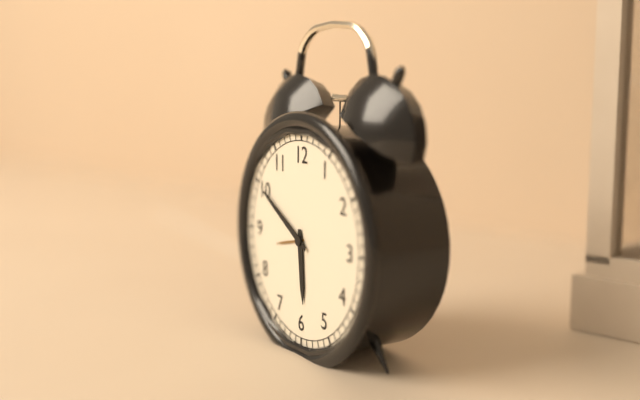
5:50
